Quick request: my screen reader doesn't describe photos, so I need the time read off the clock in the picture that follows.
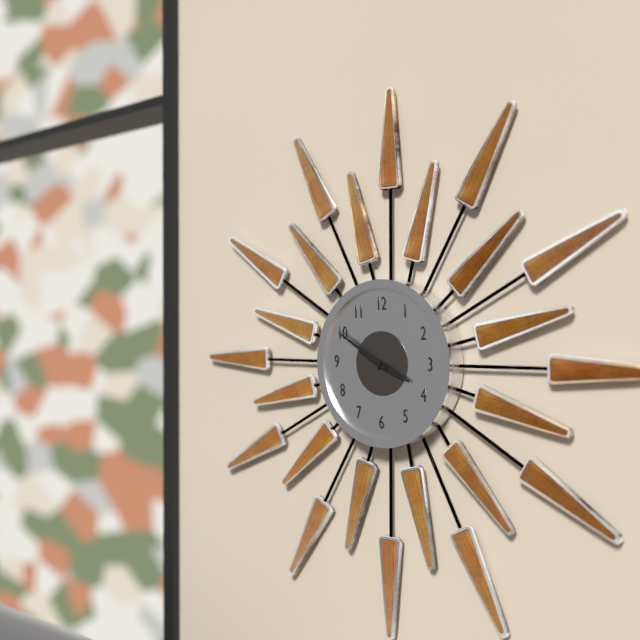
3:50
